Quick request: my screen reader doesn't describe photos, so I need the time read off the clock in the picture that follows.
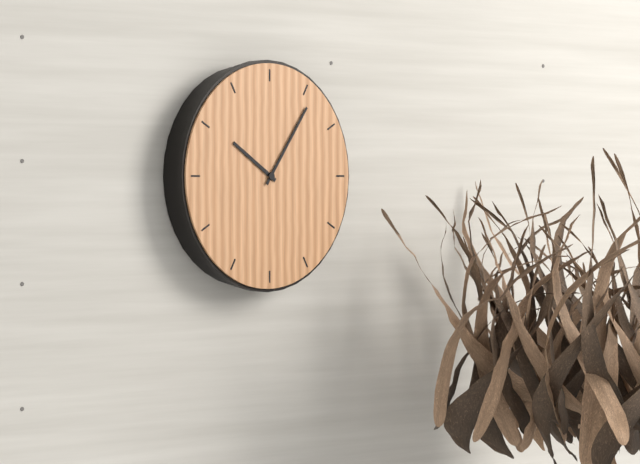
10:06
